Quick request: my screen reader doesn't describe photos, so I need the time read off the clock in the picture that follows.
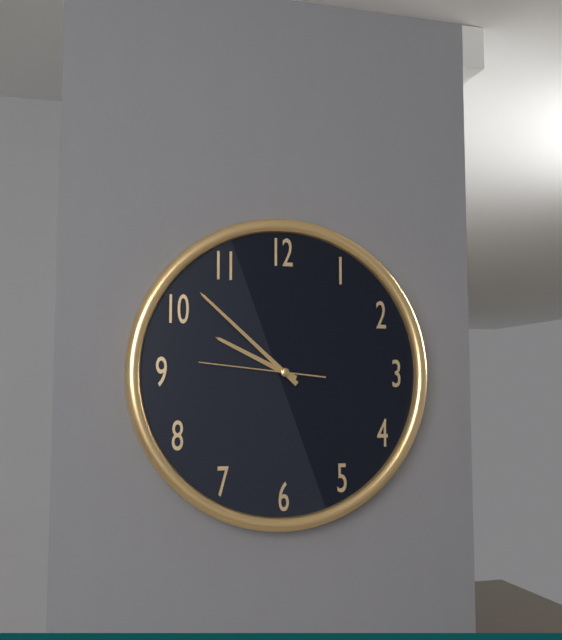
9:52:46
